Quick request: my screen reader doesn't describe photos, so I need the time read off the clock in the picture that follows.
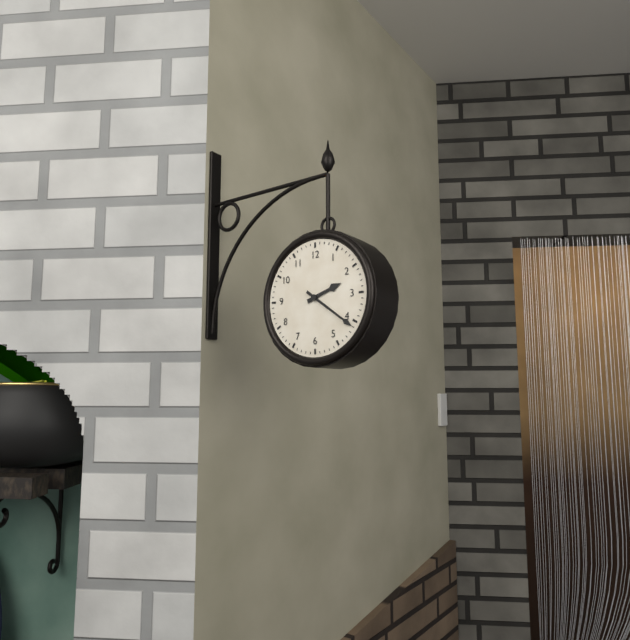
2:21
